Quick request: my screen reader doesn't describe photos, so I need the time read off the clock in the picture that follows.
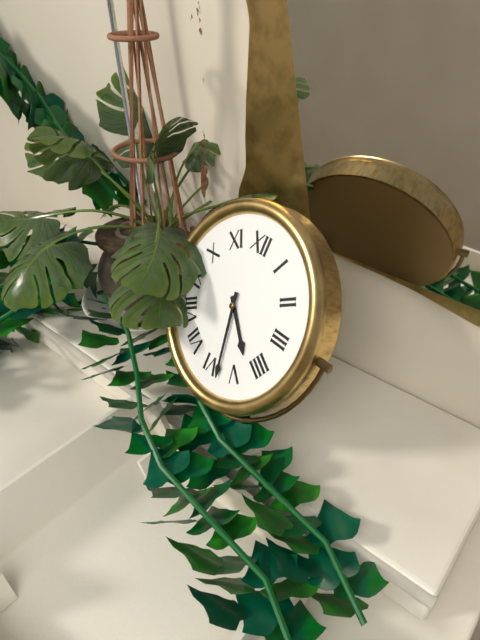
4:28
